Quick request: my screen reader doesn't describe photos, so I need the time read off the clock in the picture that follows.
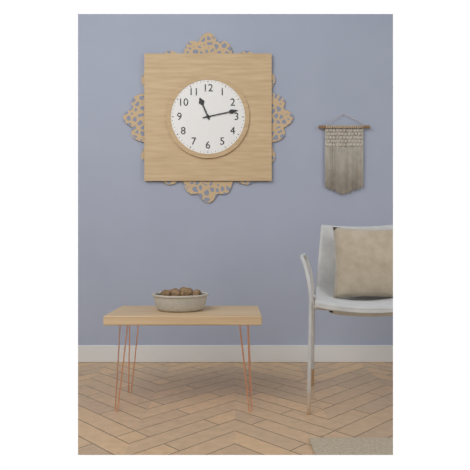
11:13
